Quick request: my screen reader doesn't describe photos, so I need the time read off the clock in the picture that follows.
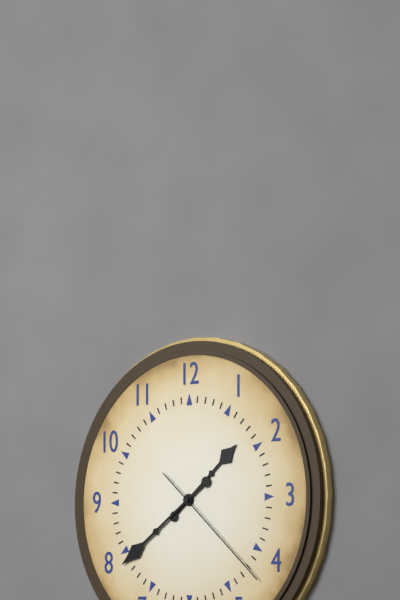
1:39:22
